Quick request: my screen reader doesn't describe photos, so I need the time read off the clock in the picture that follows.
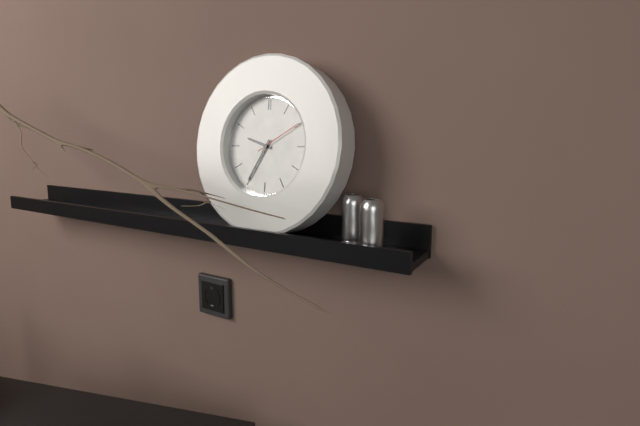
9:35:10
